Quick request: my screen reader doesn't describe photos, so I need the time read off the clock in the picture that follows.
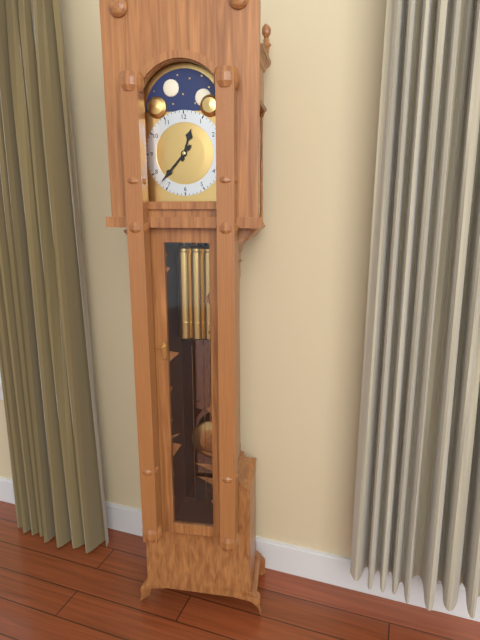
12:37
